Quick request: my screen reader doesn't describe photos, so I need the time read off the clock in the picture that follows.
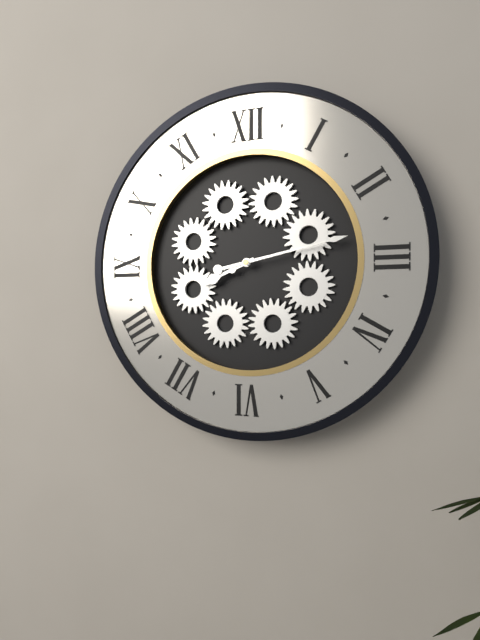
8:13
